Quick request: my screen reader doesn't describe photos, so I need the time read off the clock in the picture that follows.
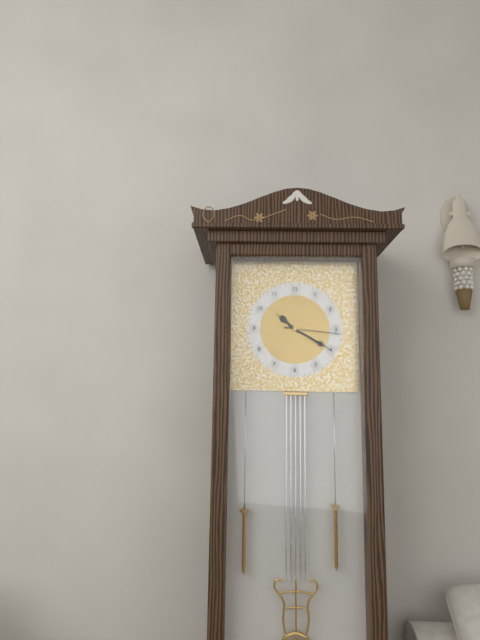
10:20:16
